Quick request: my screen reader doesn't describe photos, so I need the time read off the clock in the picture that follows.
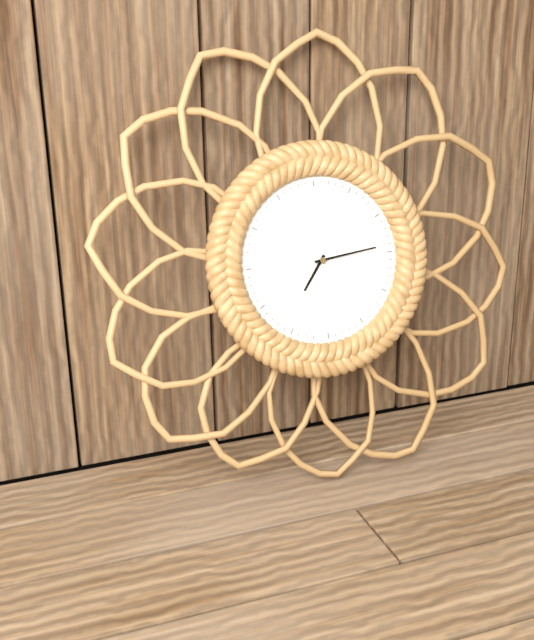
7:14
